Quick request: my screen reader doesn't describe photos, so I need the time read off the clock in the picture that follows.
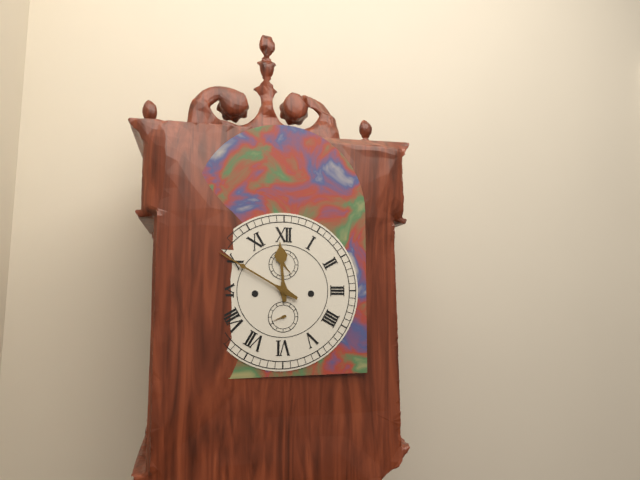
11:50
